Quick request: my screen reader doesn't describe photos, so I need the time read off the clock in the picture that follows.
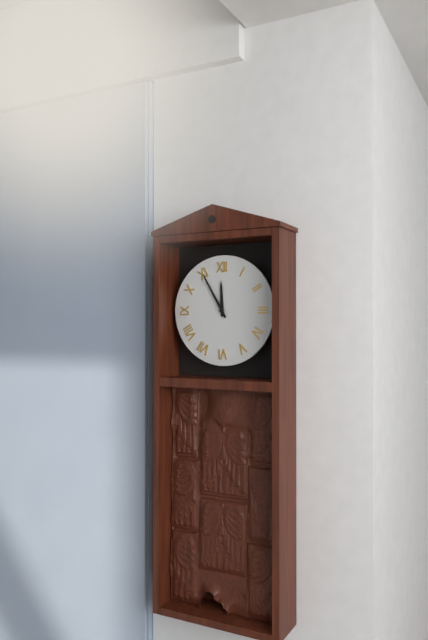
11:55
